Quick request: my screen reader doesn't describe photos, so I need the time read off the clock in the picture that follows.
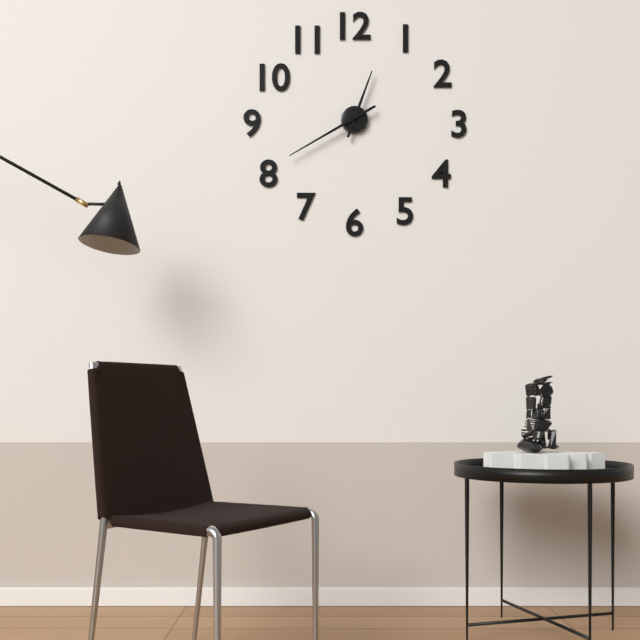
12:40
